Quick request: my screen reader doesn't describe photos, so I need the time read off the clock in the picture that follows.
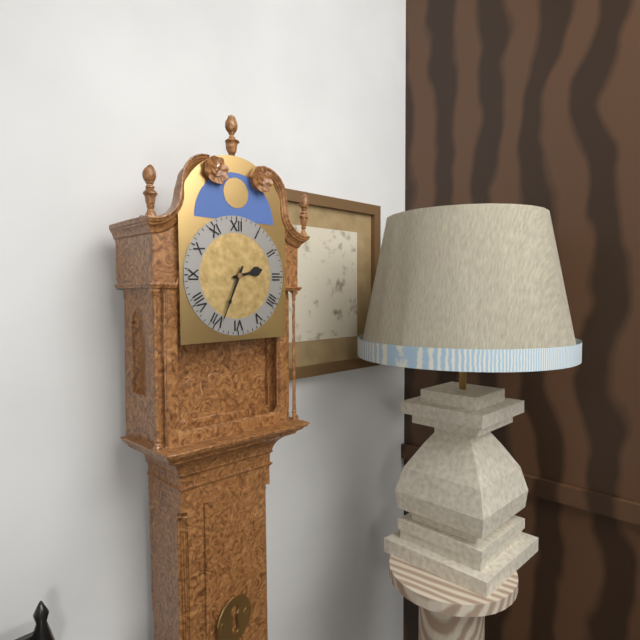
2:34
